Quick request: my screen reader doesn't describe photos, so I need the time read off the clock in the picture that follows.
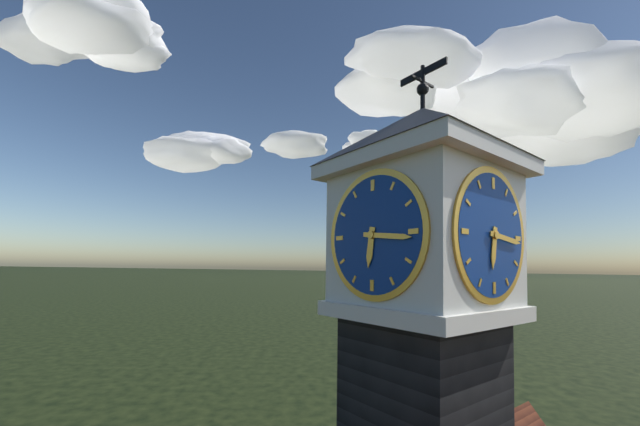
6:16
